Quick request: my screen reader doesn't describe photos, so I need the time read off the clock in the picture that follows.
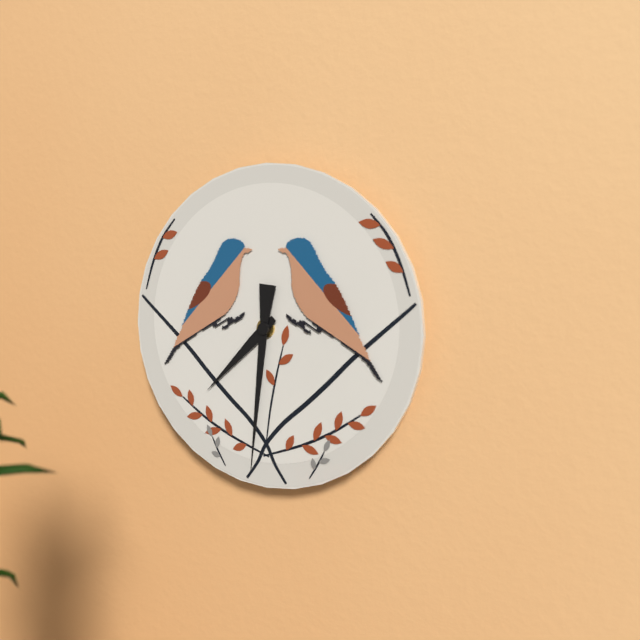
7:31
